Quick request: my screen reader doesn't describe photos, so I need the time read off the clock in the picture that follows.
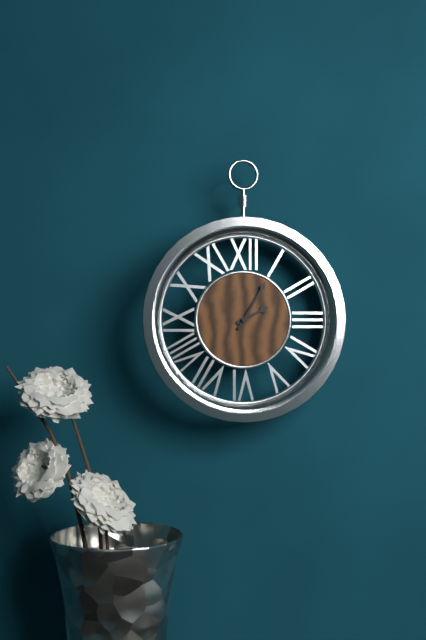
2:05
